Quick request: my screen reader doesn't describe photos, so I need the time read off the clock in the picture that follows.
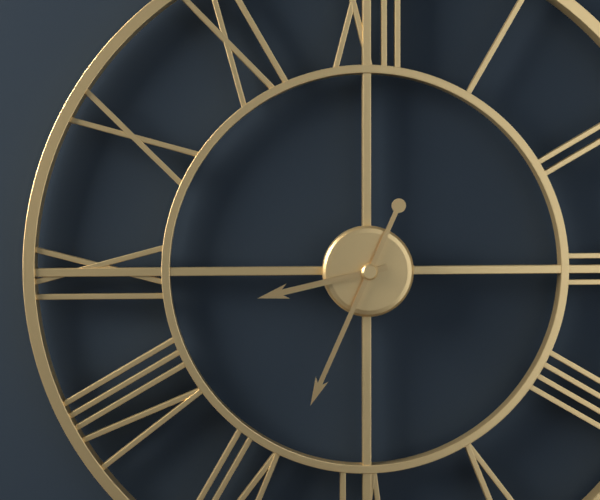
8:34
